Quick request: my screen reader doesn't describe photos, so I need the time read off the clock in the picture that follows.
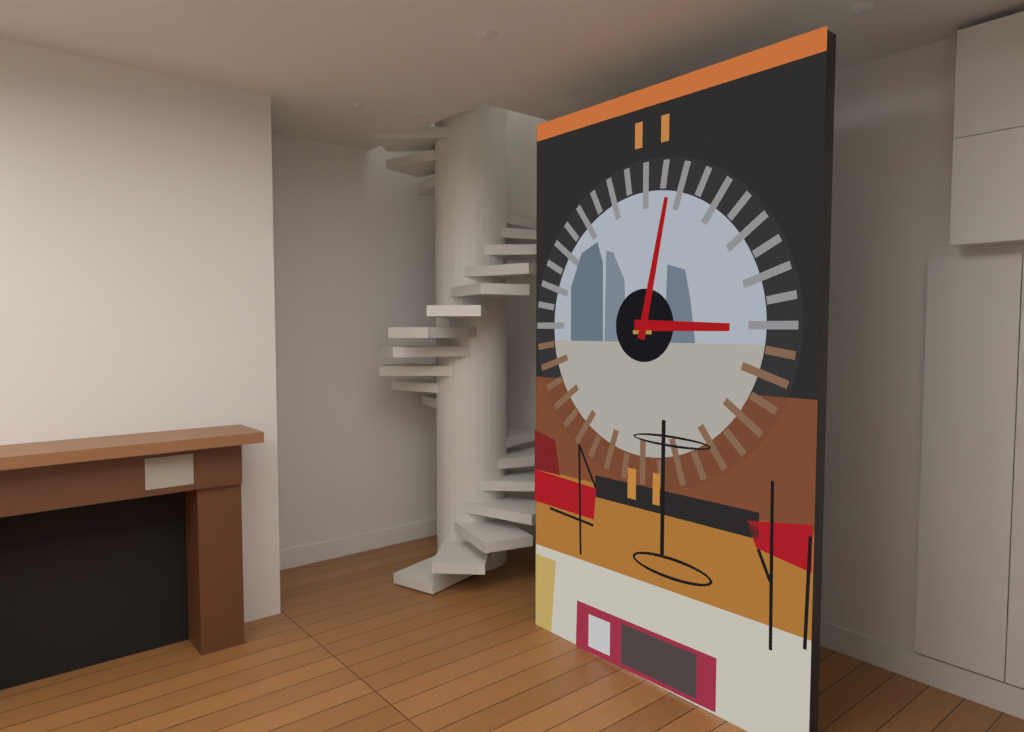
3:02
